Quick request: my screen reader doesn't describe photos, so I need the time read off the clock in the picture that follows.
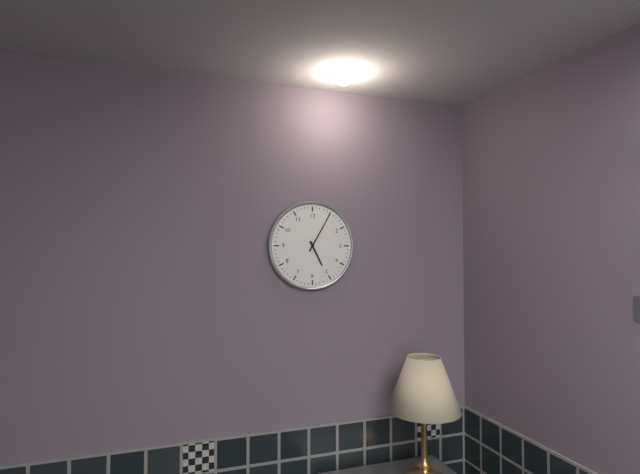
5:05
